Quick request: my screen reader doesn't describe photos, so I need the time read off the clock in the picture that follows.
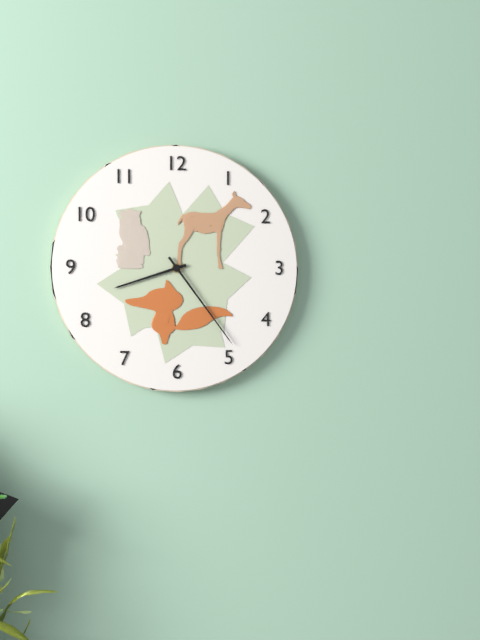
8:24
